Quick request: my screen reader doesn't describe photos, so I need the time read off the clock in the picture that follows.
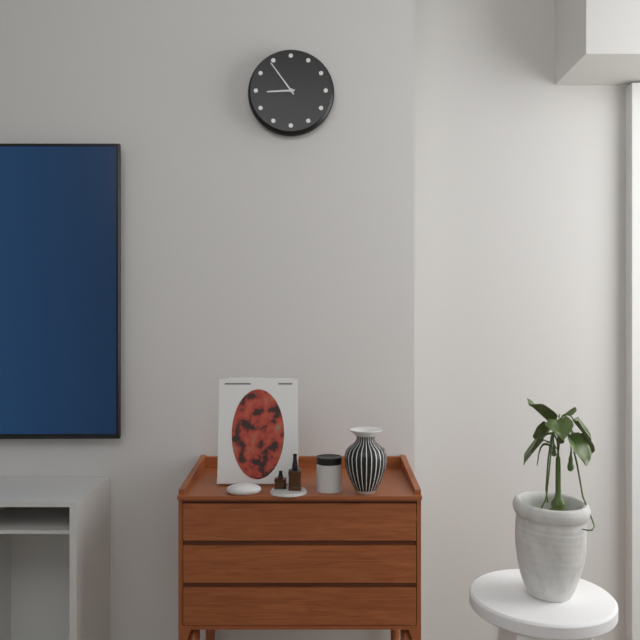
8:54
